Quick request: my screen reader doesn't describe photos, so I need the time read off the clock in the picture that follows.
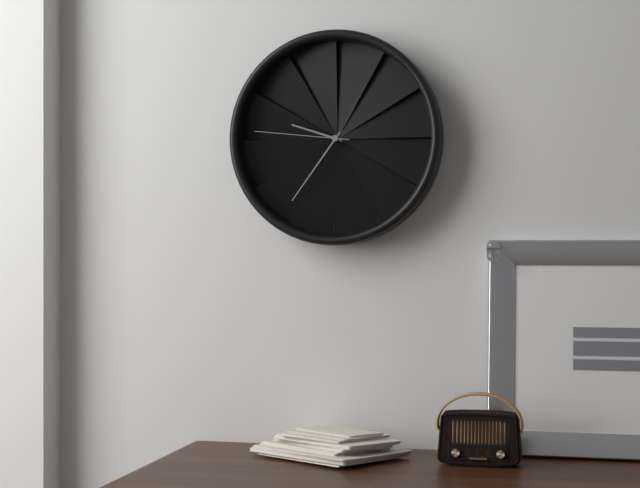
9:36:46
